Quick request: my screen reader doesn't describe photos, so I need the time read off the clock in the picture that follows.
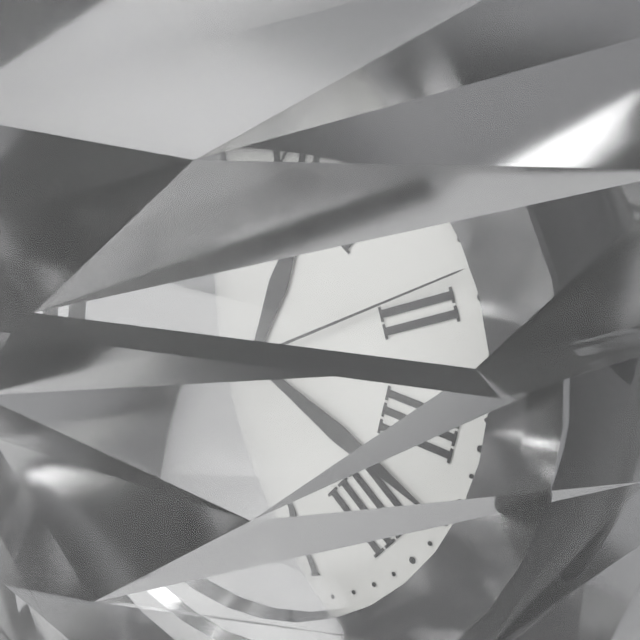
12:18:09
